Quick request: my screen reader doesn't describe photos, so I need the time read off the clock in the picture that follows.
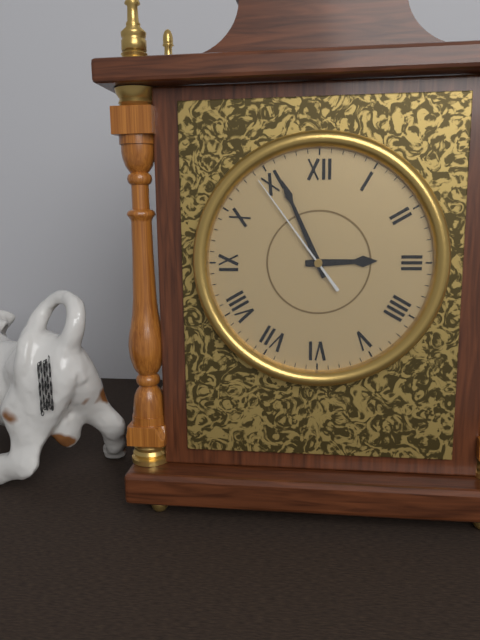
2:56:54
